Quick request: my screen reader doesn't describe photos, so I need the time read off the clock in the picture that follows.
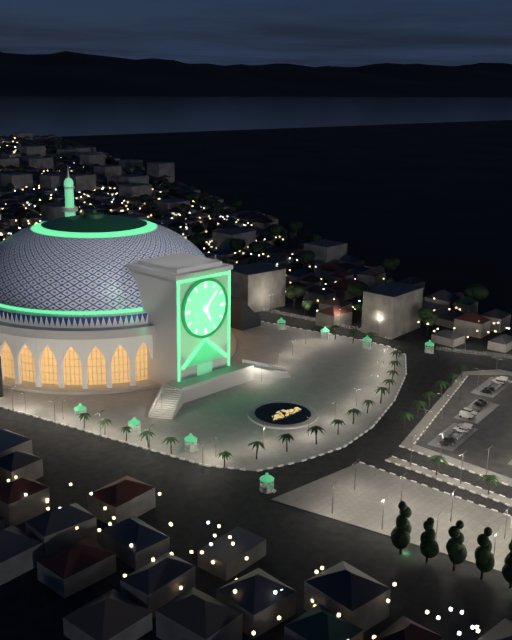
5:07
